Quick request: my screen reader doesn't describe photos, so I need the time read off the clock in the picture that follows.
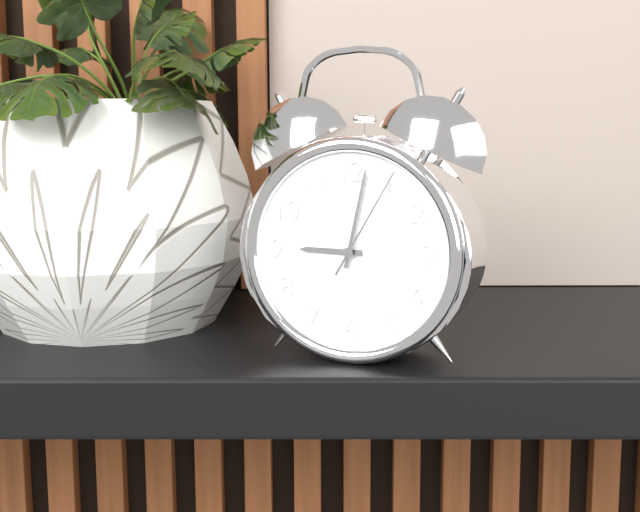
9:02:05
